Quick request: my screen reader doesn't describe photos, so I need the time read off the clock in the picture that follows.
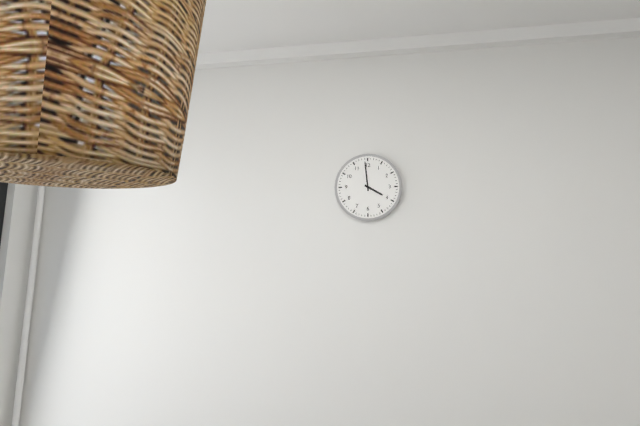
3:59
